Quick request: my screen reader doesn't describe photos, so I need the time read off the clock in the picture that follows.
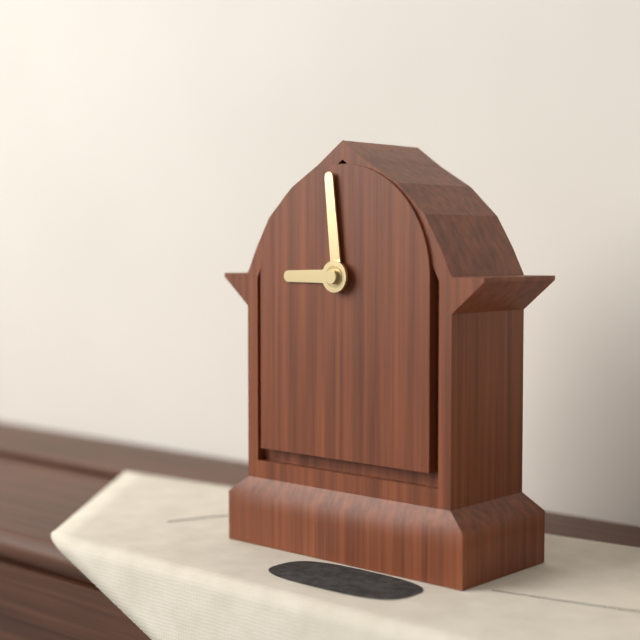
8:59
